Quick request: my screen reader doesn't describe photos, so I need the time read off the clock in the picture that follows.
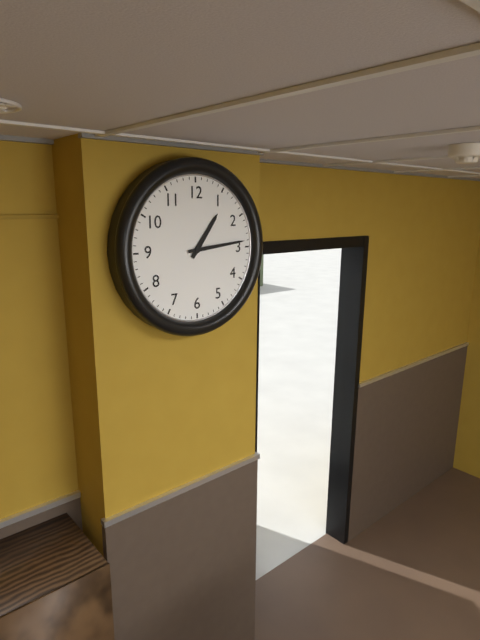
1:14
